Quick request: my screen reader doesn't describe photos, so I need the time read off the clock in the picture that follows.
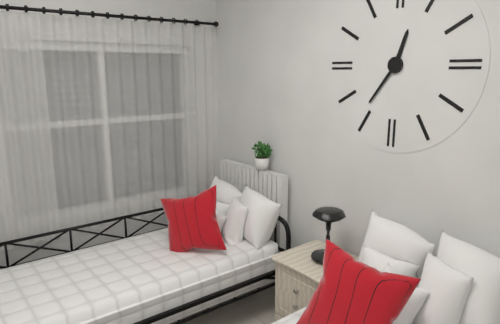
12:36
